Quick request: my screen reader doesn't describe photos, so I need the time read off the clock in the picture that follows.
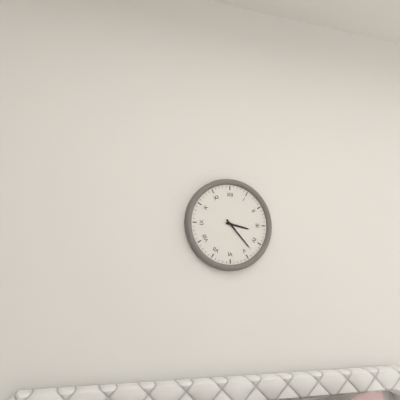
3:23
